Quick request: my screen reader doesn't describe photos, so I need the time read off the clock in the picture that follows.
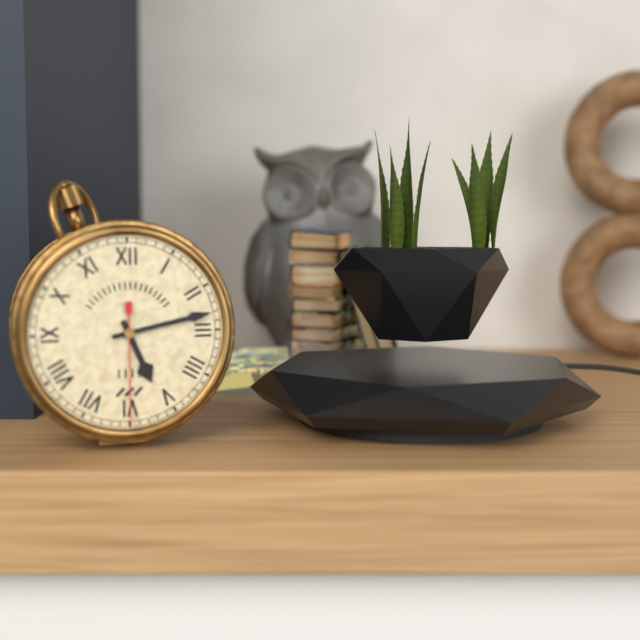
5:13:30
